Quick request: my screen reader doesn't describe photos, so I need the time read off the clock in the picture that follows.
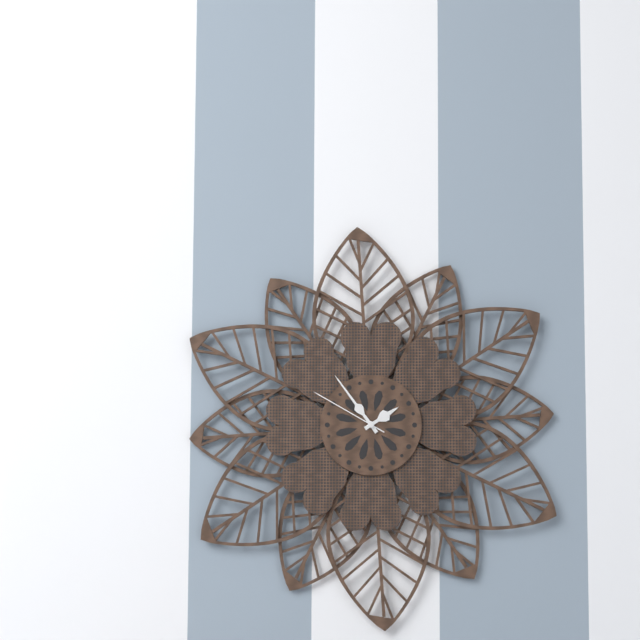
1:54:50
